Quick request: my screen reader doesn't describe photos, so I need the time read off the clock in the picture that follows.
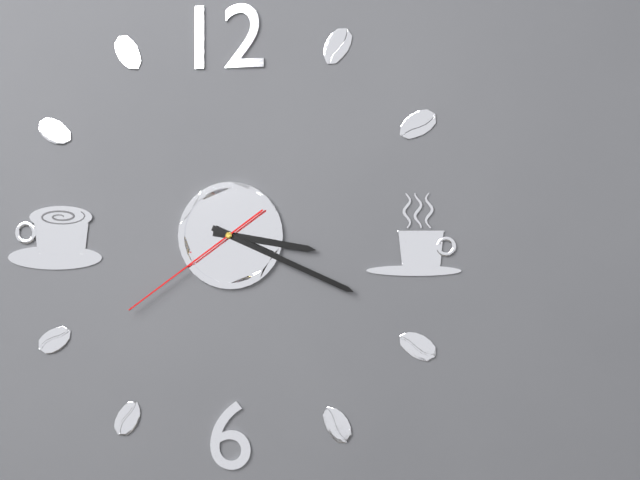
3:19:39
